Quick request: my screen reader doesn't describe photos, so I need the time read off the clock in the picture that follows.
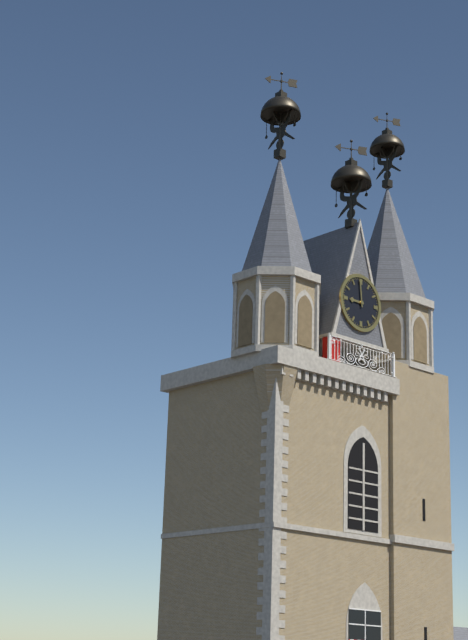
8:59
